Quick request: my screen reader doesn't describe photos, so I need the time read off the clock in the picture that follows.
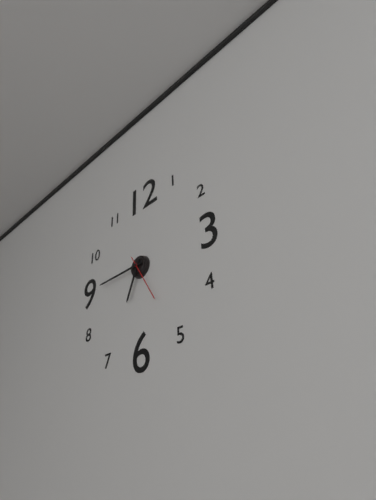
6:45
